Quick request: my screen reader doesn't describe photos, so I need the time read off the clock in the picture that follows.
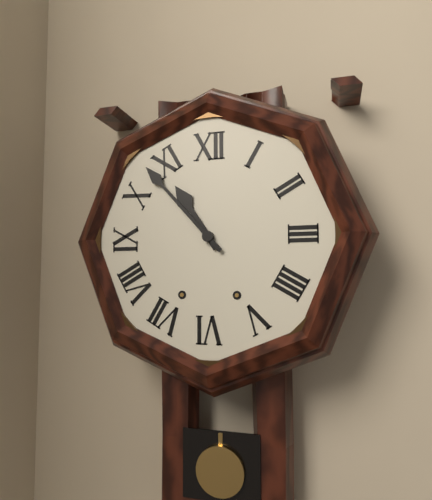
10:53
